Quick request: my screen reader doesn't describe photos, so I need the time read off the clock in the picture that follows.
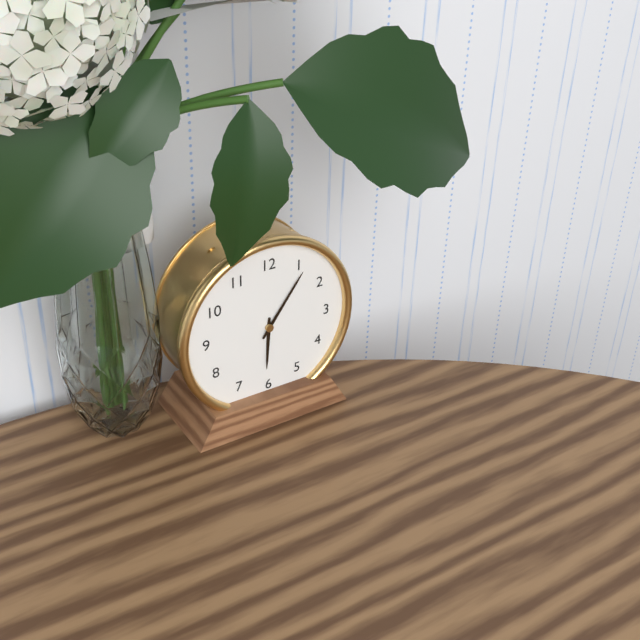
6:06
